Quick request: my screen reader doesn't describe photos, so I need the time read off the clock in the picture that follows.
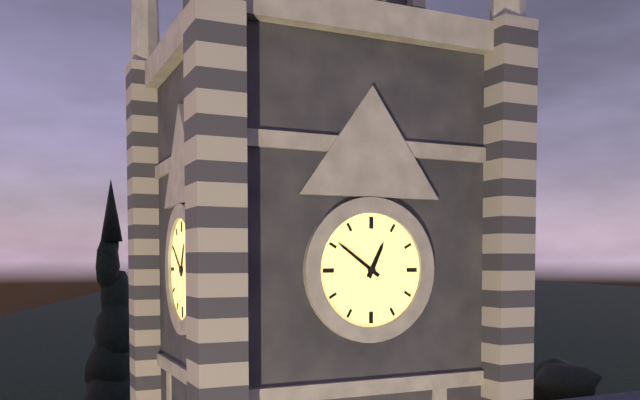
12:51
